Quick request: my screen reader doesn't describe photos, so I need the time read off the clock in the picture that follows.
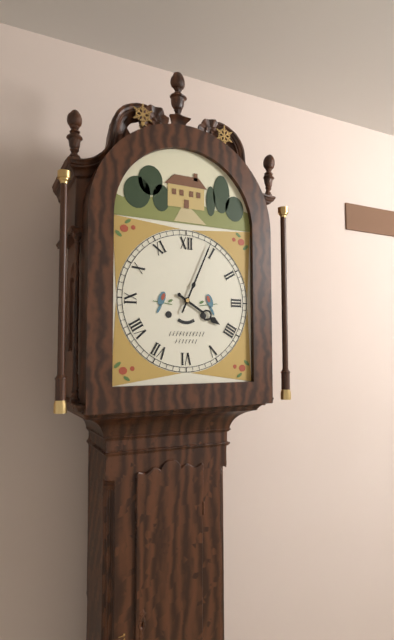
4:04
